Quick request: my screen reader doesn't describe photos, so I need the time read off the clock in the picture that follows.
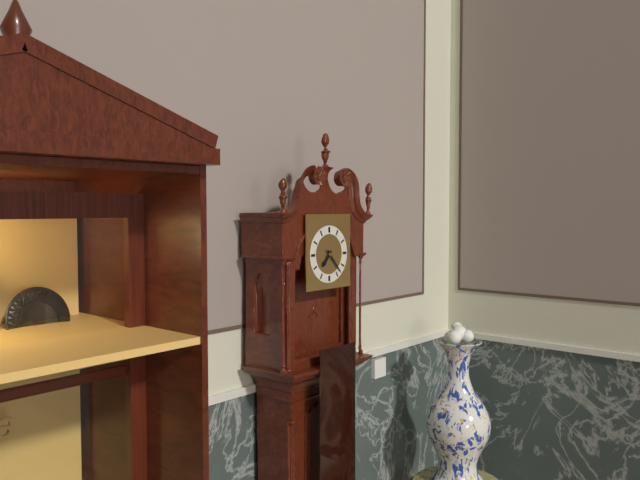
7:23
